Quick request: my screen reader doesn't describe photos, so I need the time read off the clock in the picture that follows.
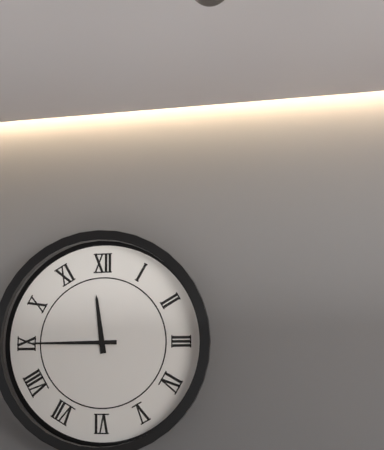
11:45
